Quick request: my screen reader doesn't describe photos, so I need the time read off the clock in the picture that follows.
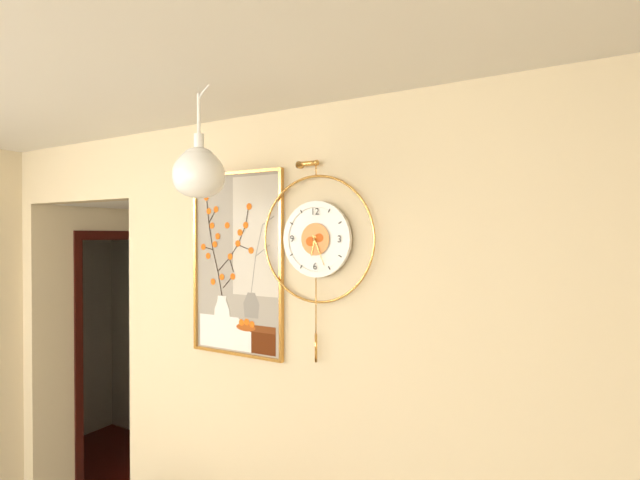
6:26
